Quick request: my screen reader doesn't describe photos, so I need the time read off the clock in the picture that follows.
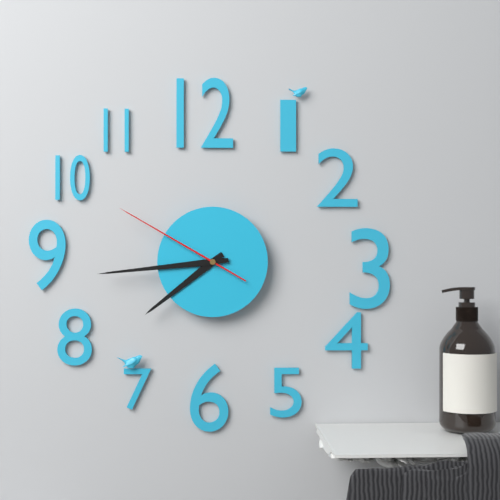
7:44:50
